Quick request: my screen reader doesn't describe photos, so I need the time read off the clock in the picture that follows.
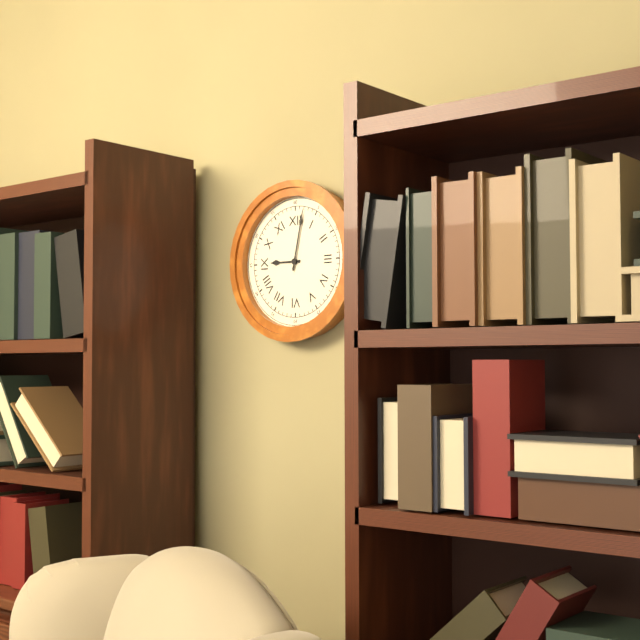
9:02
